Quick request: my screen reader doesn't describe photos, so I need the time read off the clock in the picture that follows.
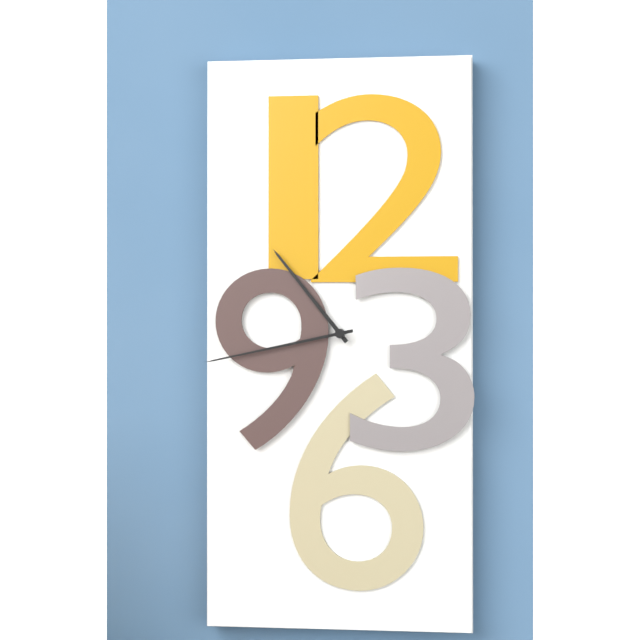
10:43
